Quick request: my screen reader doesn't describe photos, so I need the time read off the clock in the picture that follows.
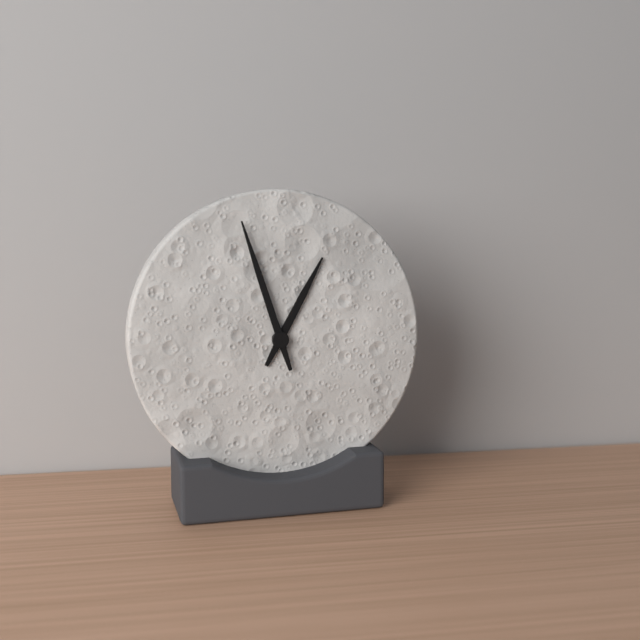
12:57
